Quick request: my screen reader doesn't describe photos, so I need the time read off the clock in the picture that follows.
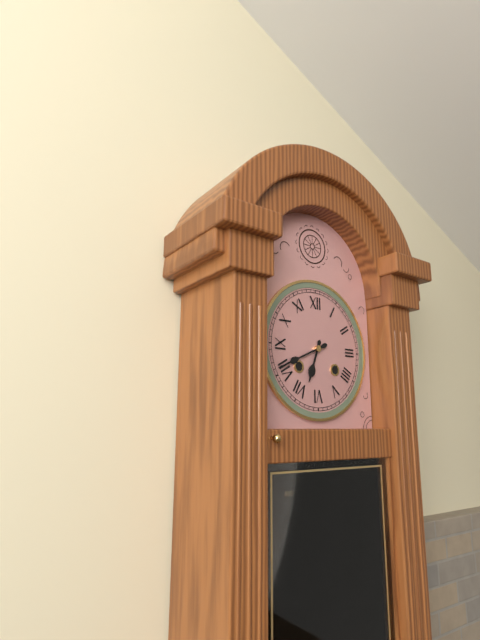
6:41
